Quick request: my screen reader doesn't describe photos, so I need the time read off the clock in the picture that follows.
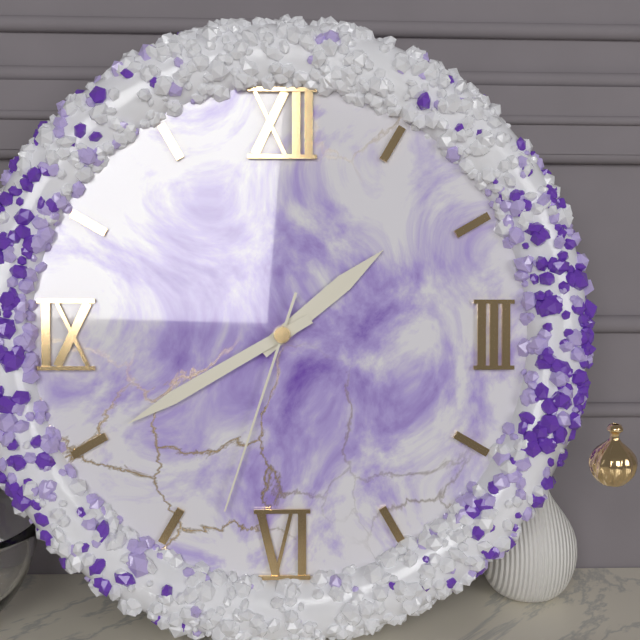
1:40:33
